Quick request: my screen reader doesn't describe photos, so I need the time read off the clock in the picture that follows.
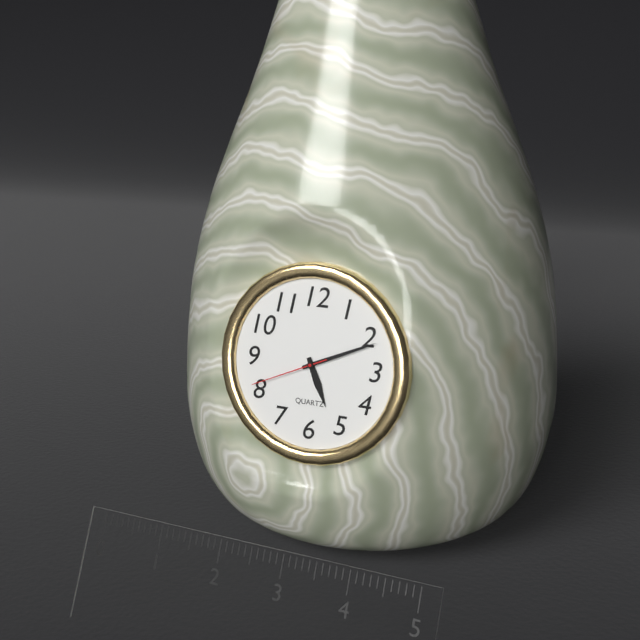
5:11:41
